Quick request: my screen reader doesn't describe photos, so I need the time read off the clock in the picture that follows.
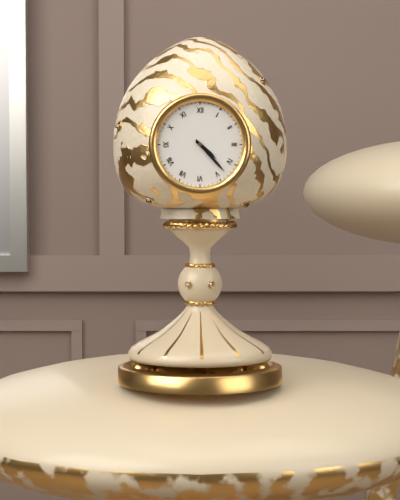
4:23
